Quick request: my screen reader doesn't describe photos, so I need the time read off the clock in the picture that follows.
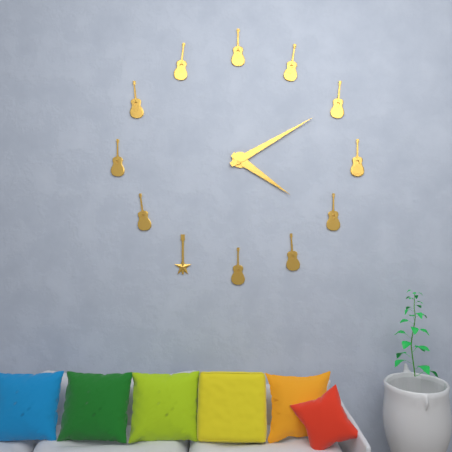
4:10
